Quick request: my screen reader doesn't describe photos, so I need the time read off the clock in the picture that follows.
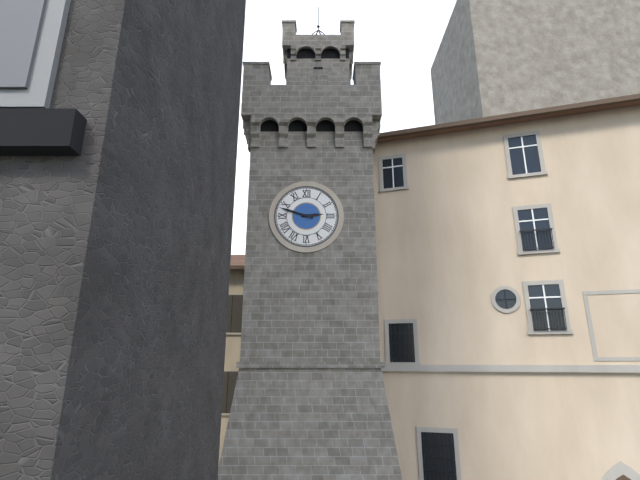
2:48
